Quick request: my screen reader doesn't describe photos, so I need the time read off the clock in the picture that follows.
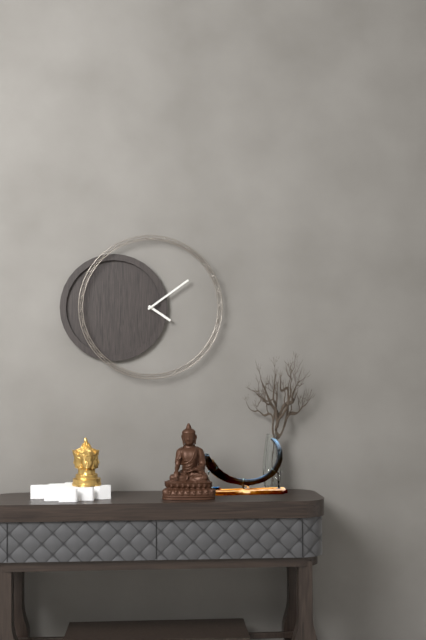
4:09
